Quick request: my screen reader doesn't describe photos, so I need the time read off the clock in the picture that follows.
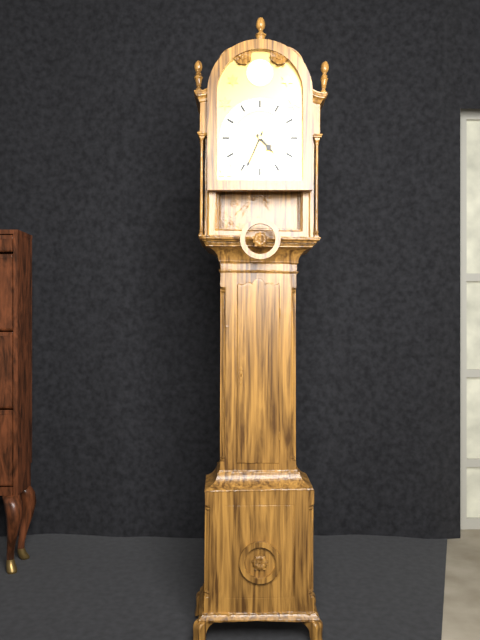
4:34
